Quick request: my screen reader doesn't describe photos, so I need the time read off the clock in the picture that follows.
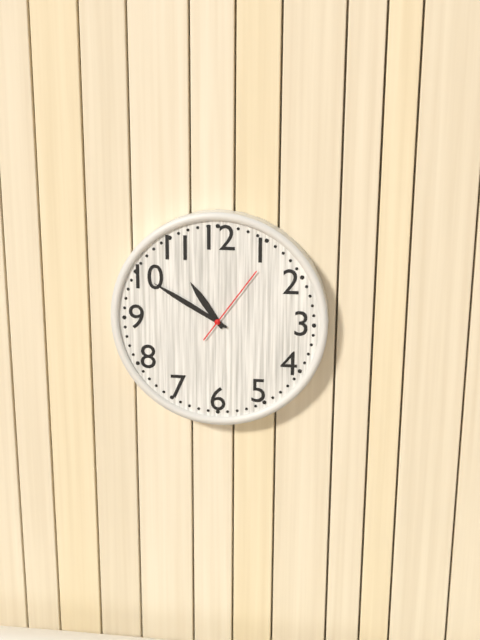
10:50:06
